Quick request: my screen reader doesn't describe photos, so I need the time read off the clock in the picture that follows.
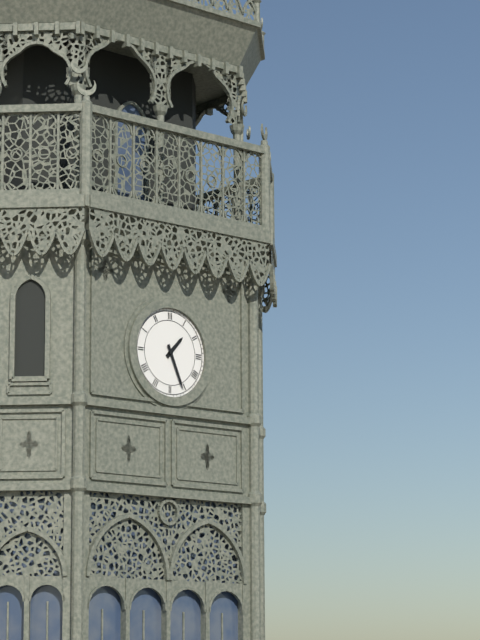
1:26
